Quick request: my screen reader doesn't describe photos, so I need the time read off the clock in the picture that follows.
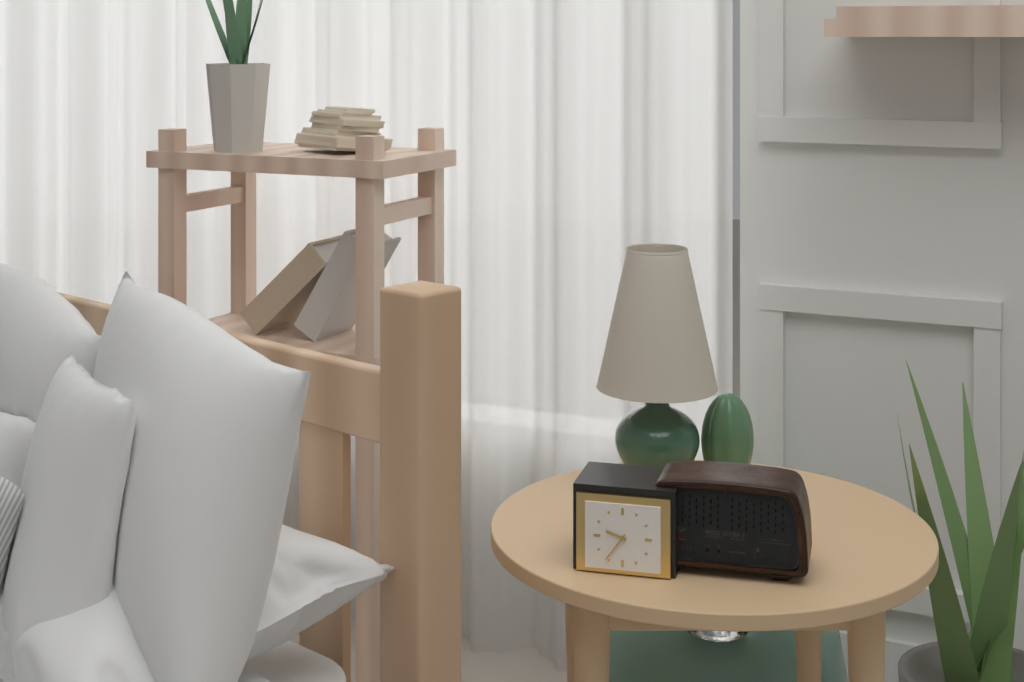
9:36
